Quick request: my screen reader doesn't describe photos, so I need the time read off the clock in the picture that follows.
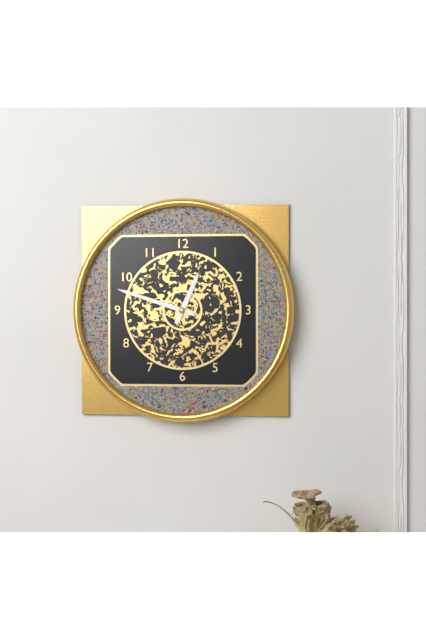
12:48
